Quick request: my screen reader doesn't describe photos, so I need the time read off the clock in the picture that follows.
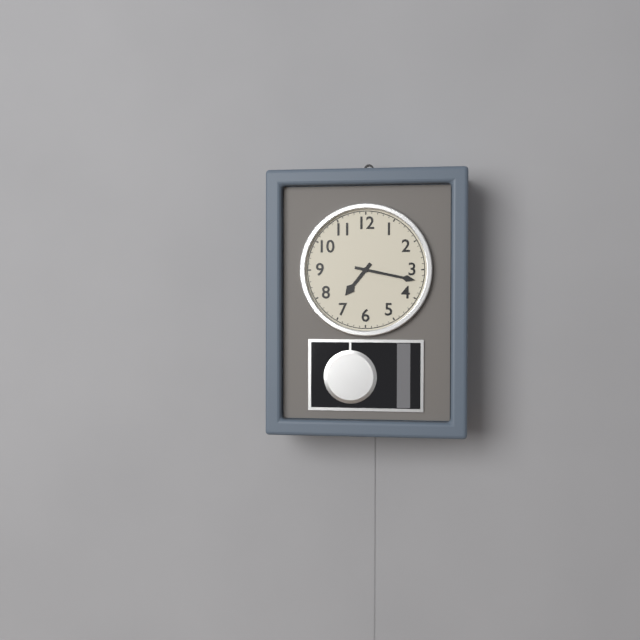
7:17
